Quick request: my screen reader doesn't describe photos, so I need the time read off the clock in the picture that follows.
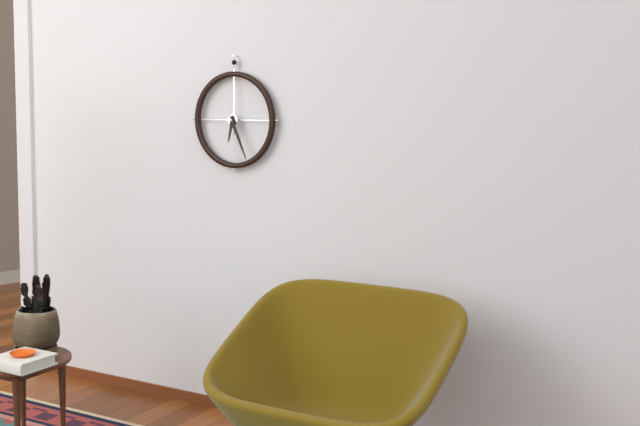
6:26
